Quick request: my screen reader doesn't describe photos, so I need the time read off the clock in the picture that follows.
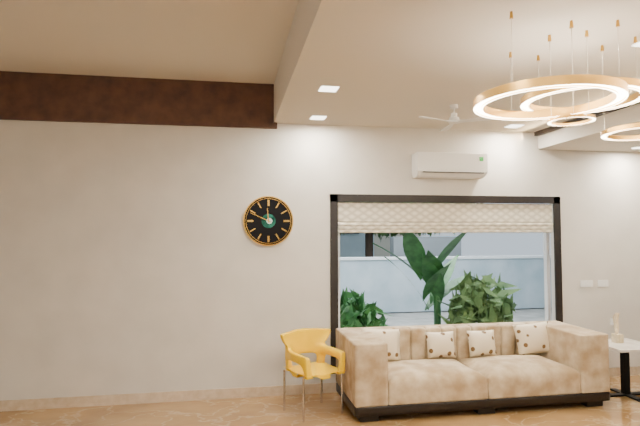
11:49
